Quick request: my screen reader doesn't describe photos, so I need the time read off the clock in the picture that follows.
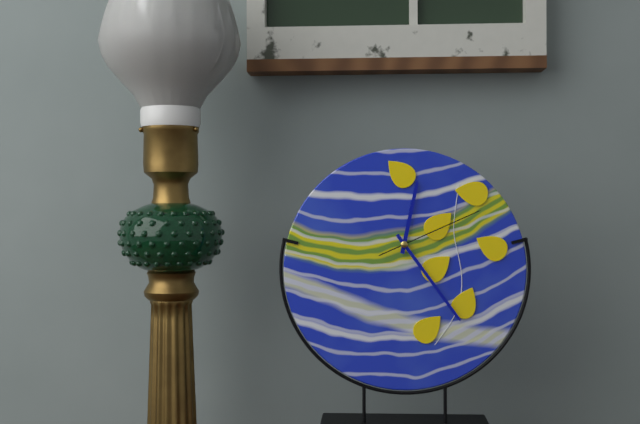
12:24:11
